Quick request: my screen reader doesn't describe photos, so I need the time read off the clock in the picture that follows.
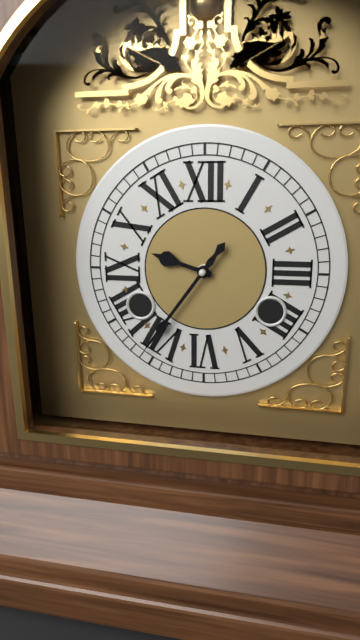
9:36
